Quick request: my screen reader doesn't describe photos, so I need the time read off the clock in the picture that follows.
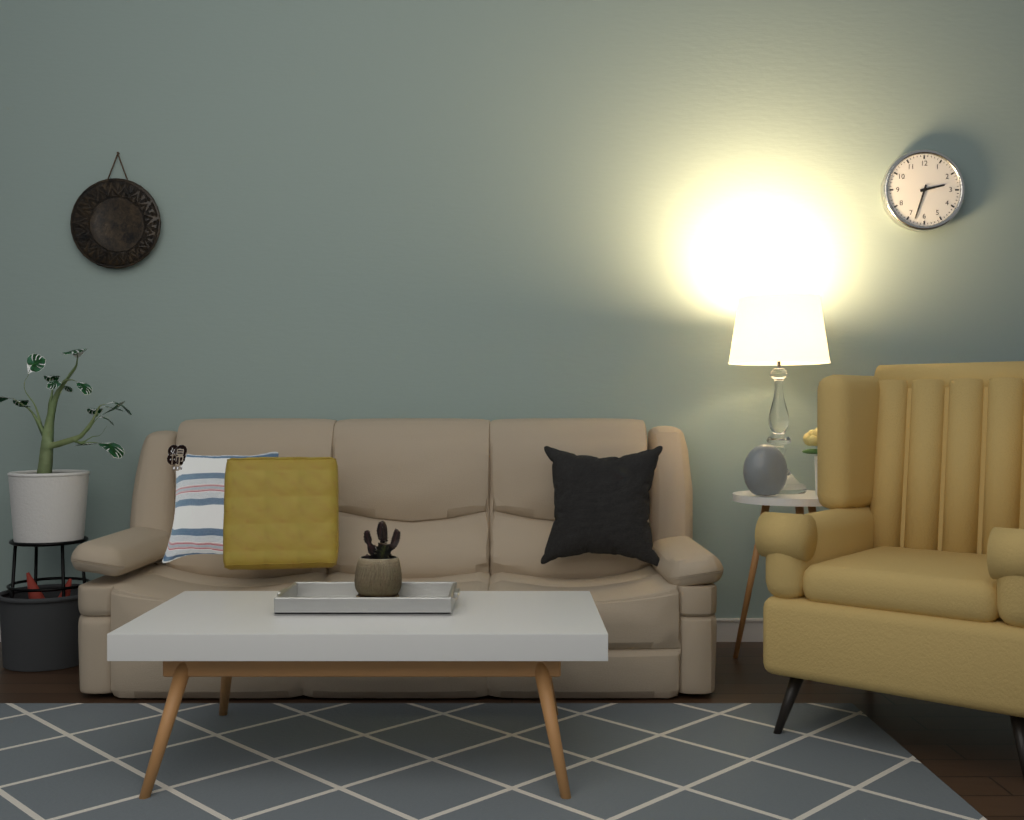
2:33
